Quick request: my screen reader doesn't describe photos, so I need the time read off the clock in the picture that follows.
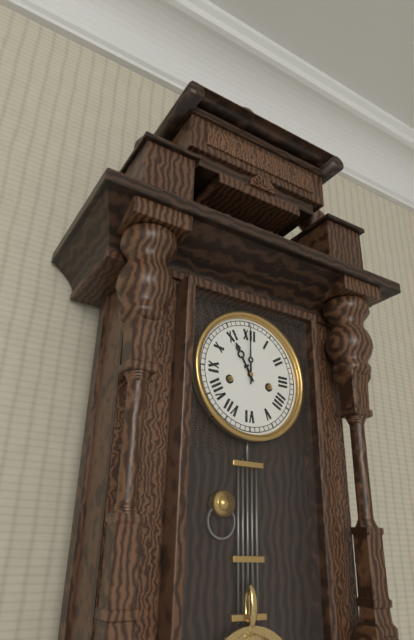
11:00
